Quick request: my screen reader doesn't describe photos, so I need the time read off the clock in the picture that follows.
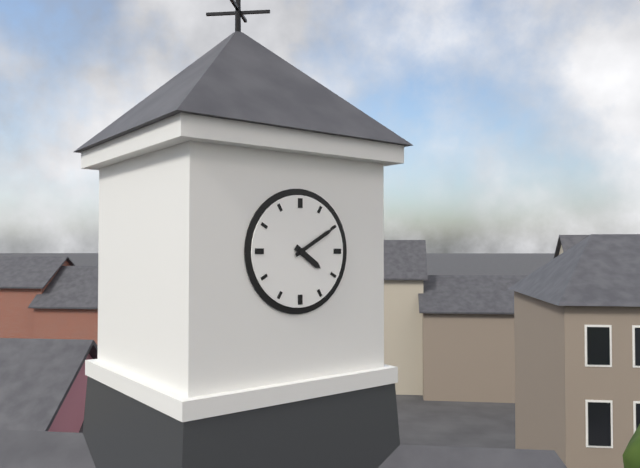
4:10
